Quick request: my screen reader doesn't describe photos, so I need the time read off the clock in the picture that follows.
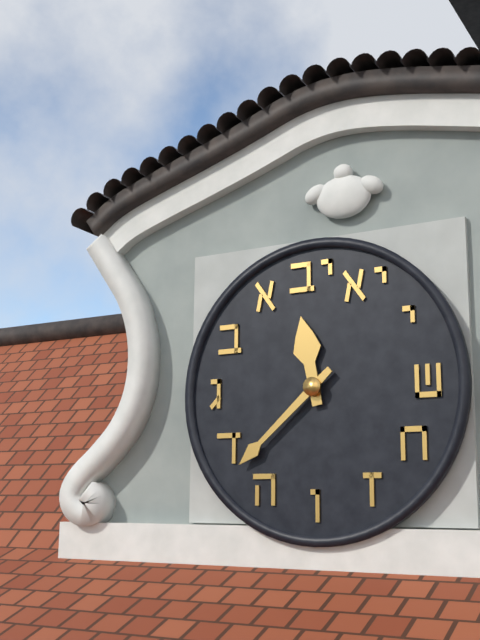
11:38
